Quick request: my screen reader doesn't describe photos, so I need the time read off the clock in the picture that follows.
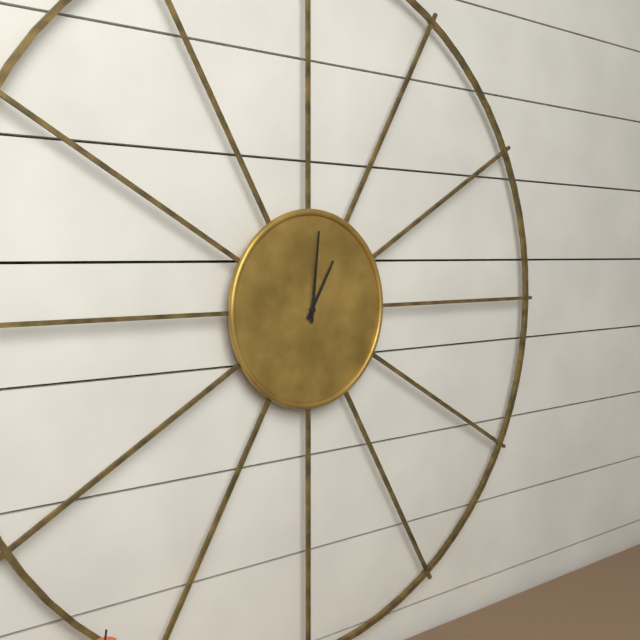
1:01
